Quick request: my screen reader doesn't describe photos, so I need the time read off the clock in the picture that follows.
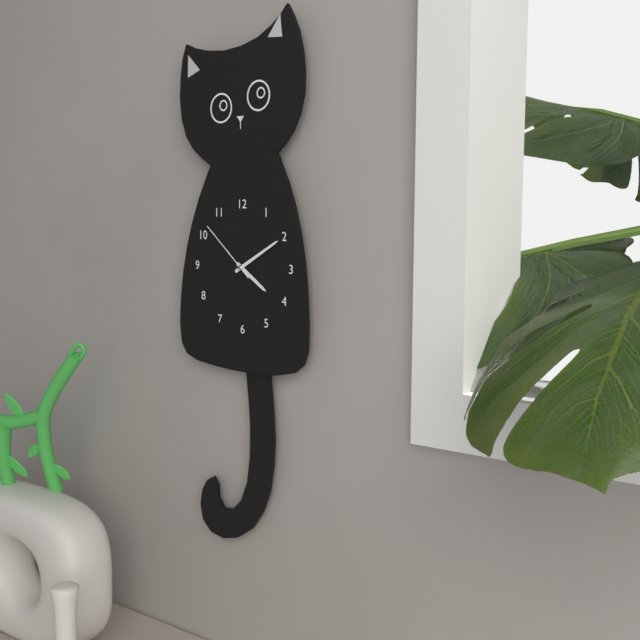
4:10:52
